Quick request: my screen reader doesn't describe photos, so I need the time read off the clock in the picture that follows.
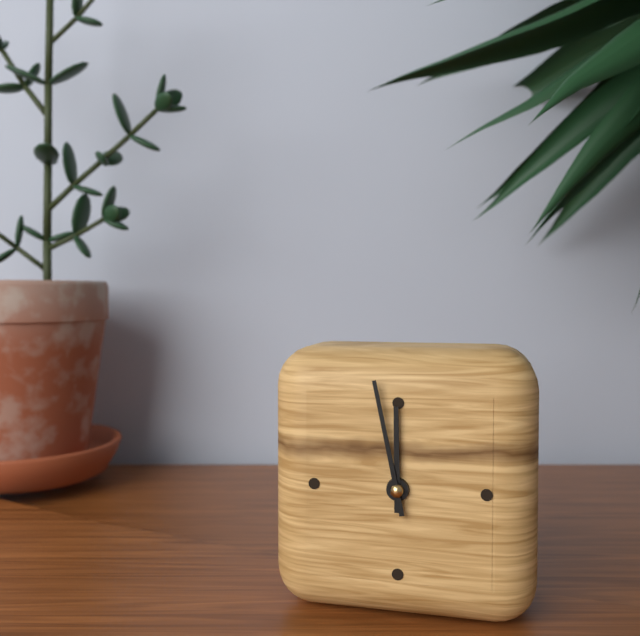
11:58
